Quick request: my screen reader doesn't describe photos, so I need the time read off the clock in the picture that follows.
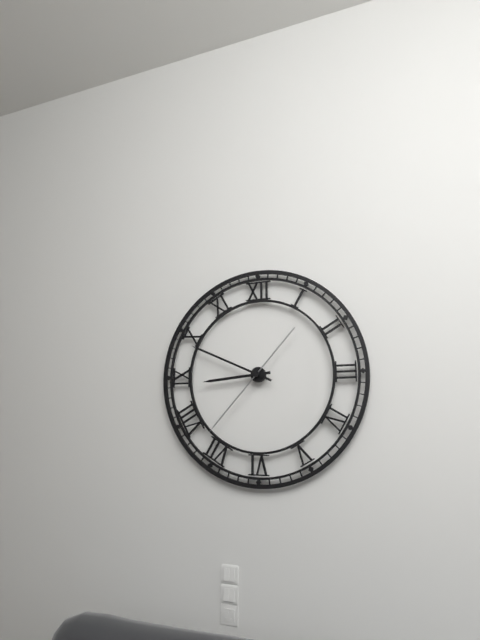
8:49:37
